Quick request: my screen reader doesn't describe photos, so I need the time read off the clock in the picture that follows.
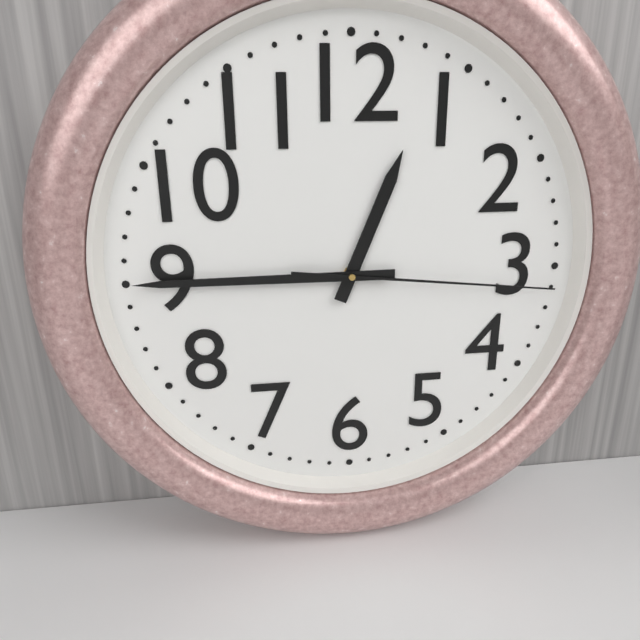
12:45:16
